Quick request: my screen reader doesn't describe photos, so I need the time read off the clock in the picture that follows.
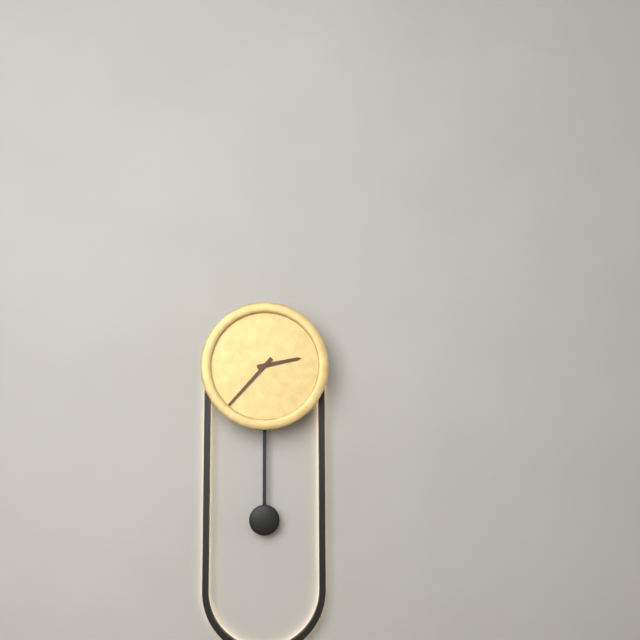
2:37
